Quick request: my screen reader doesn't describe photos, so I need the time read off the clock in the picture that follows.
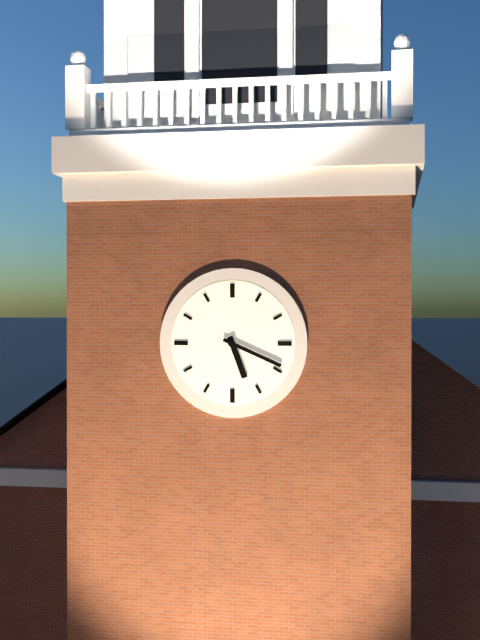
5:19
